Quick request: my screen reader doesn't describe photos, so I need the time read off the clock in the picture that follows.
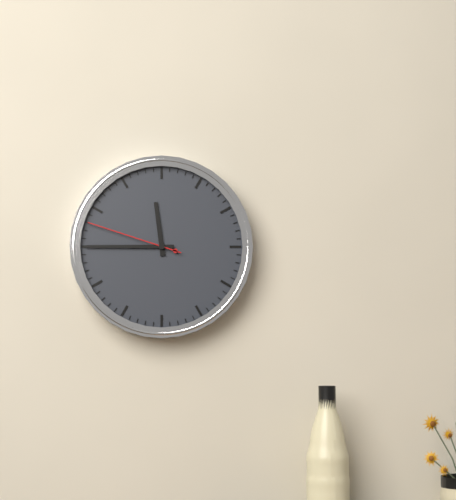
11:45:48
